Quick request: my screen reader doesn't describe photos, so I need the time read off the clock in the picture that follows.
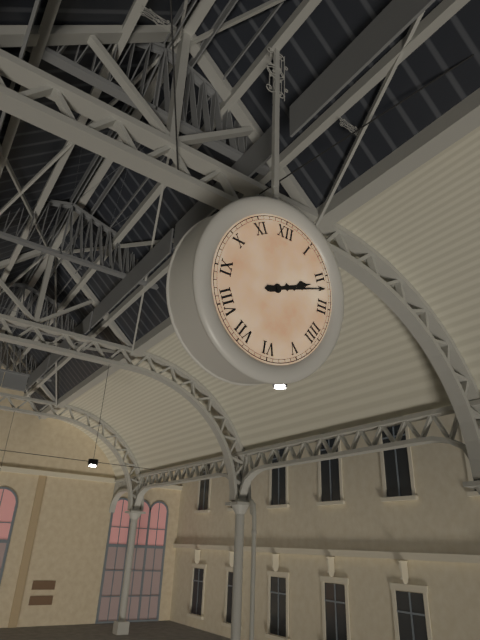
2:12
